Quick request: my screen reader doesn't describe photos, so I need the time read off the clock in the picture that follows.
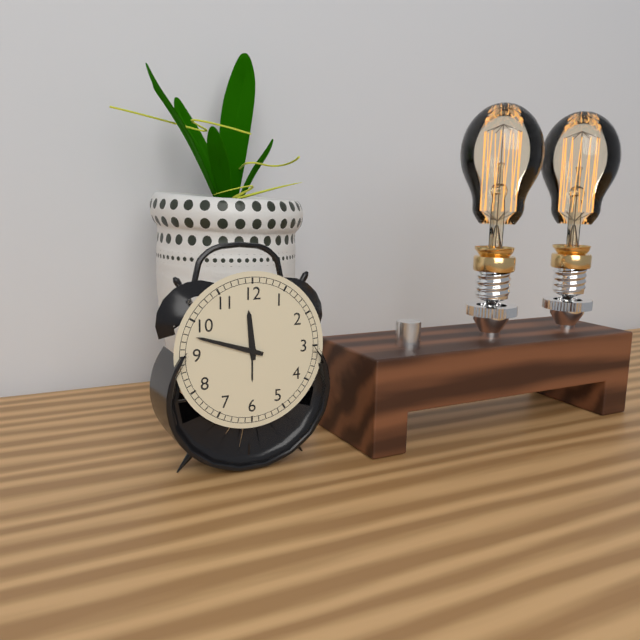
11:48
